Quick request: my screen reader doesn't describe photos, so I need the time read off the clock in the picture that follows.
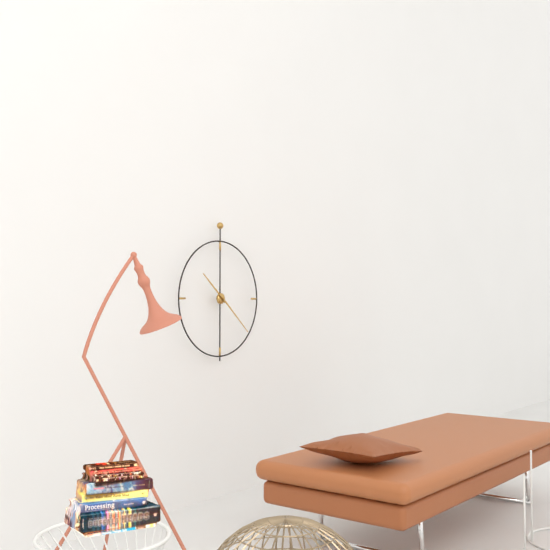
10:22
